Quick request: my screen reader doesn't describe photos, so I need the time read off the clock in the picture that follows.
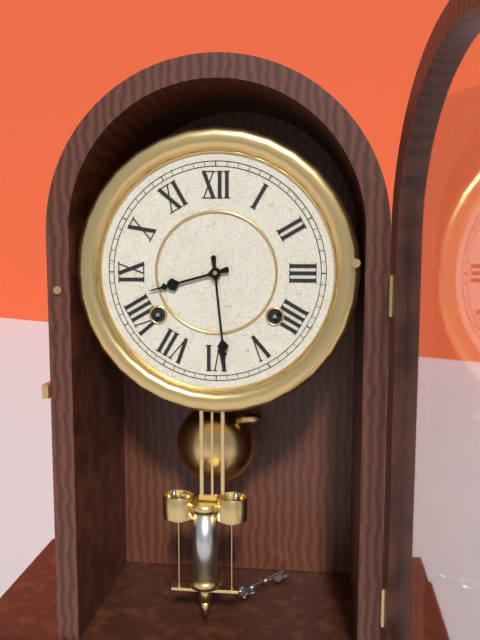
8:29
